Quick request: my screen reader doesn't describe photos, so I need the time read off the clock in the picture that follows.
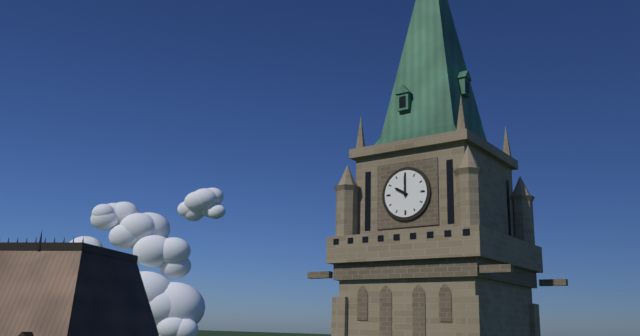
10:00
